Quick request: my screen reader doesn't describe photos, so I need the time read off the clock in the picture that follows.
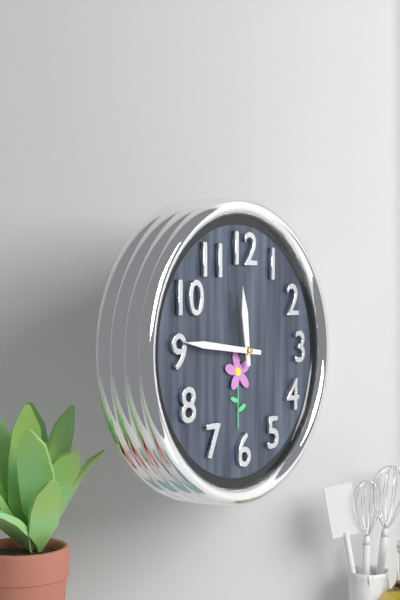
11:46
